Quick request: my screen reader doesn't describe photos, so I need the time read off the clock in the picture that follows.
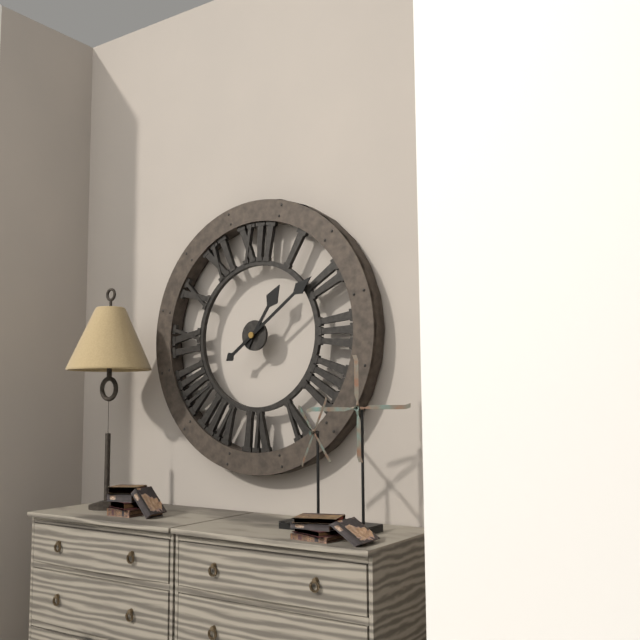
1:09
